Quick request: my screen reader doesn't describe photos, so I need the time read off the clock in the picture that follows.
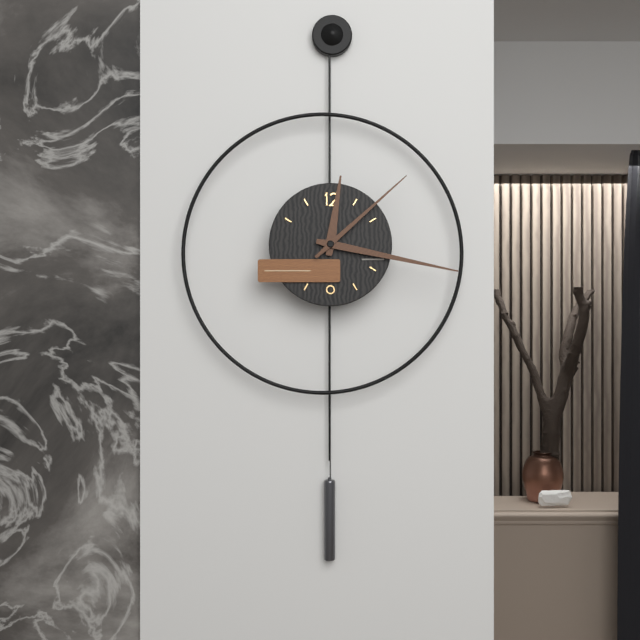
12:17:08
